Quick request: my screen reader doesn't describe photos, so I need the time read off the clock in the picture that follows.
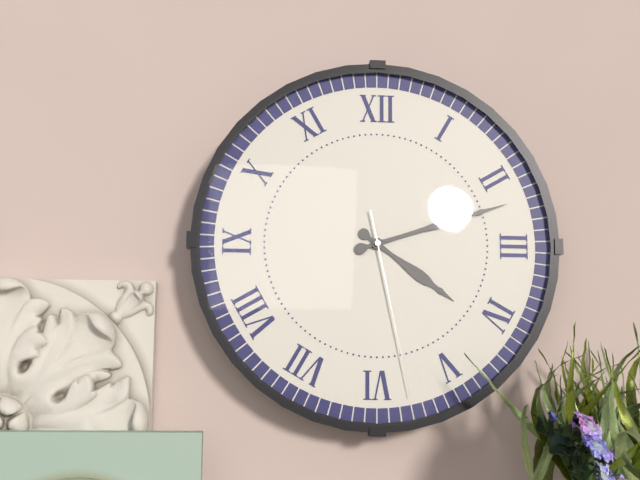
4:12:28
